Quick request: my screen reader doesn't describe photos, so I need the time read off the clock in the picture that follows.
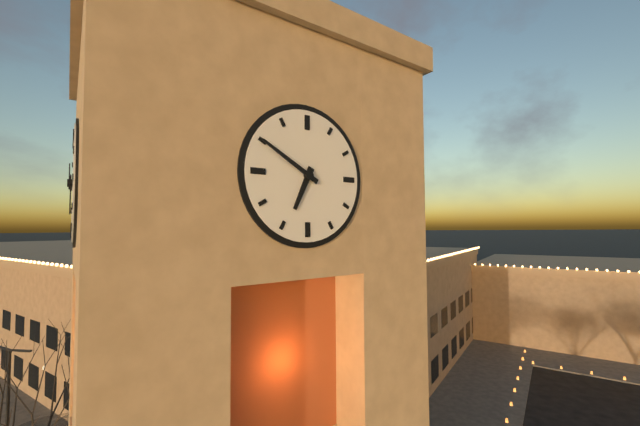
6:50
